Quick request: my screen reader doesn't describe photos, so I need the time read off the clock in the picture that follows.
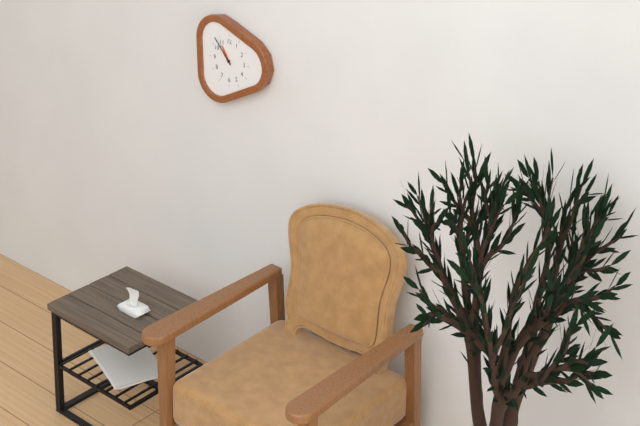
10:53
